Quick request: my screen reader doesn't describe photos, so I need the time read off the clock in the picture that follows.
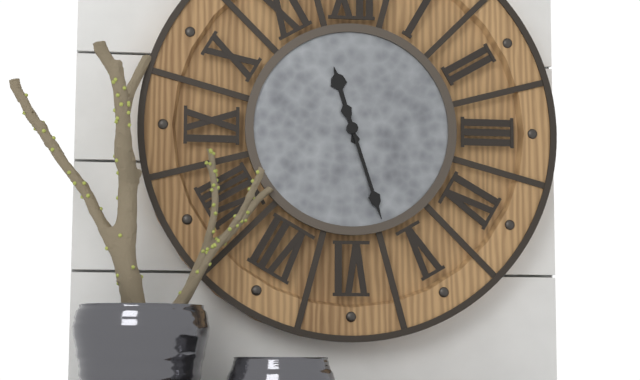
11:27
